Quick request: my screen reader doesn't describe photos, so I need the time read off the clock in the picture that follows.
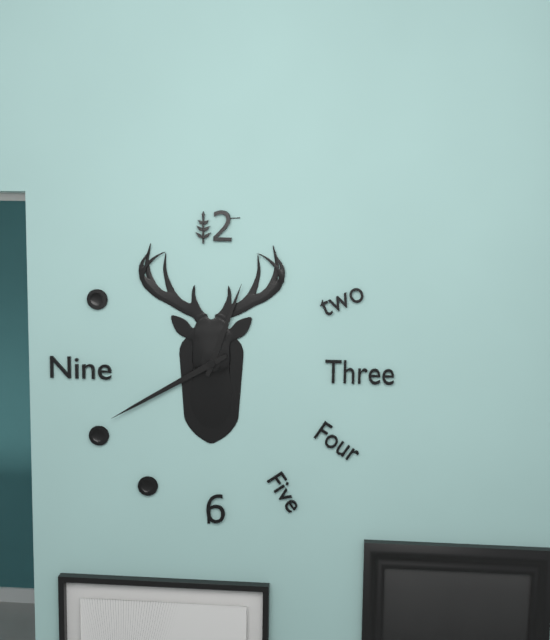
12:40
